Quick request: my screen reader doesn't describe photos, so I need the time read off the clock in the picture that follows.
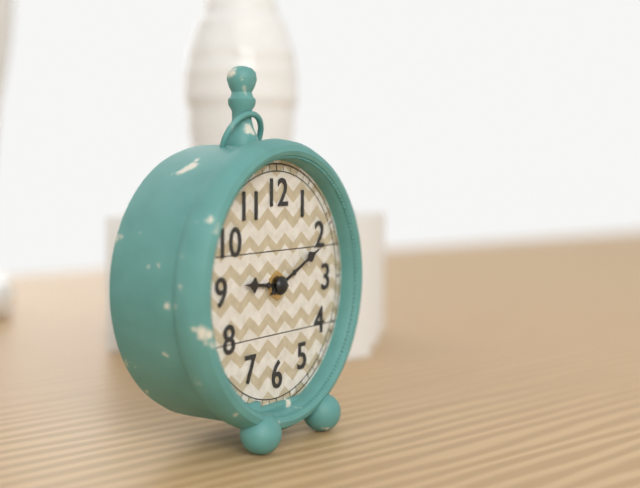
9:11
